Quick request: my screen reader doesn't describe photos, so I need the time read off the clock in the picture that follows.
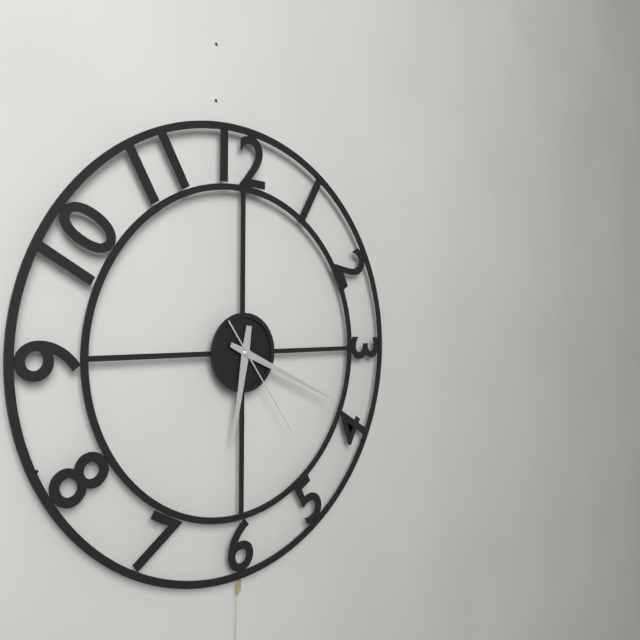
6:19:24
